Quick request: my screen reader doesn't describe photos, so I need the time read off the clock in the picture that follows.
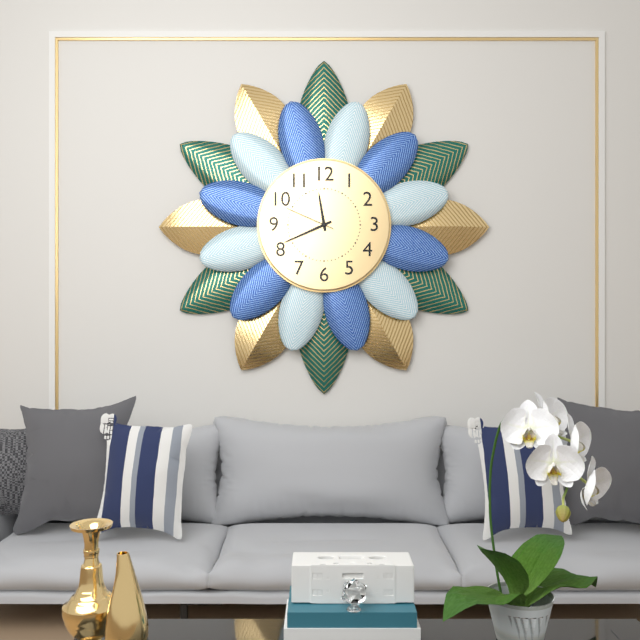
11:41:49
